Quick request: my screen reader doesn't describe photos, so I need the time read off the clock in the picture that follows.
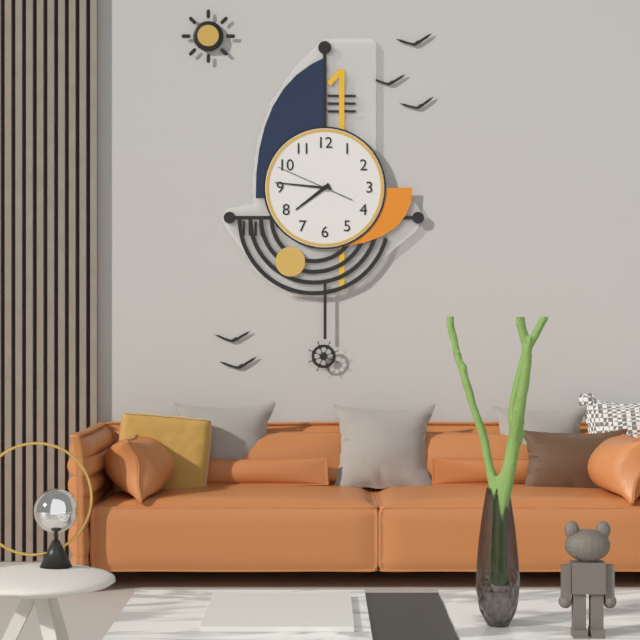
7:46:49
